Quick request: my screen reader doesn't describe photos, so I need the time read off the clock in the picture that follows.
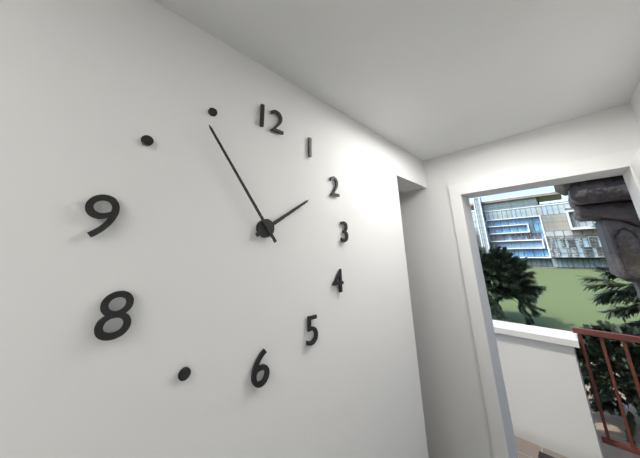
1:54
